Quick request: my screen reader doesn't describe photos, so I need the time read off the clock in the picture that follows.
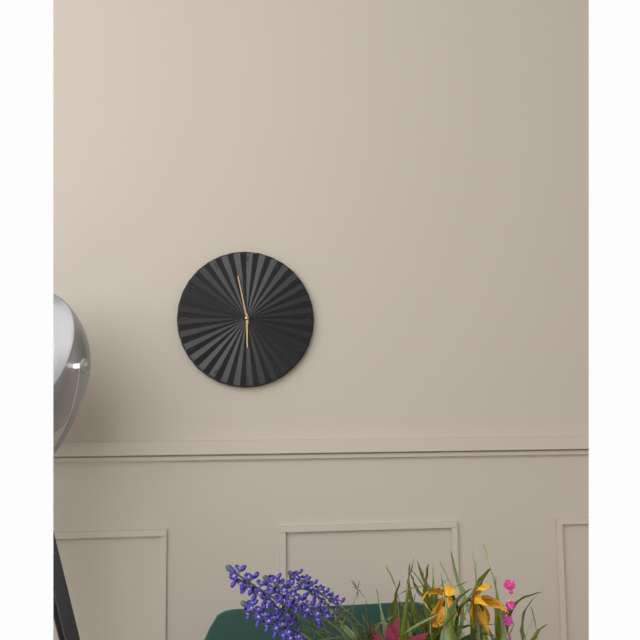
5:58
